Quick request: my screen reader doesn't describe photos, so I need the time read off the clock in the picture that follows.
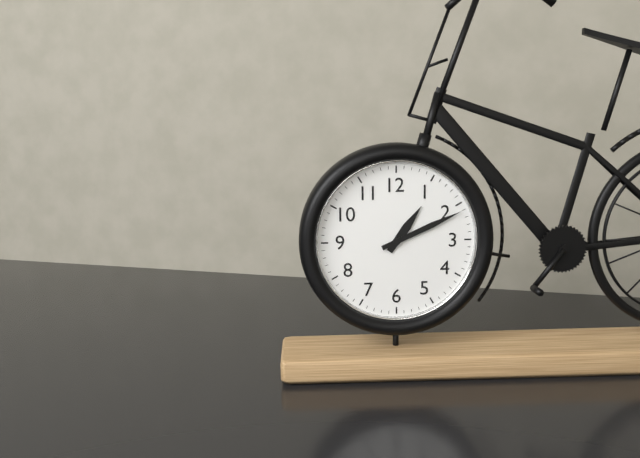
1:11
